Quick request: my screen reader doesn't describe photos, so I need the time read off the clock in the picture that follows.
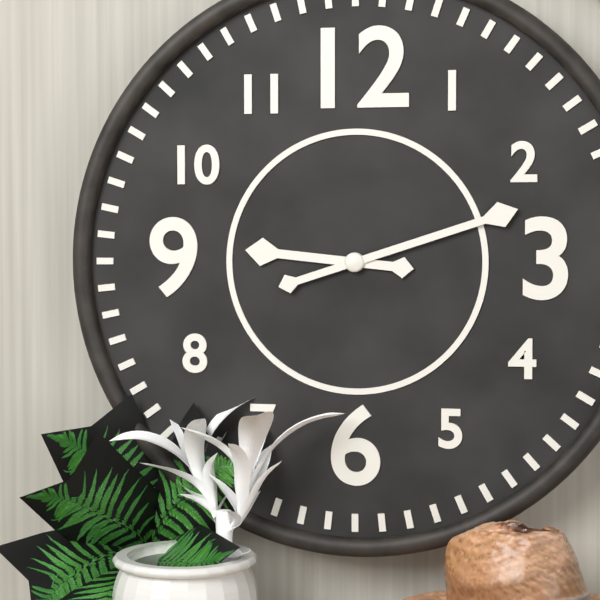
9:12
